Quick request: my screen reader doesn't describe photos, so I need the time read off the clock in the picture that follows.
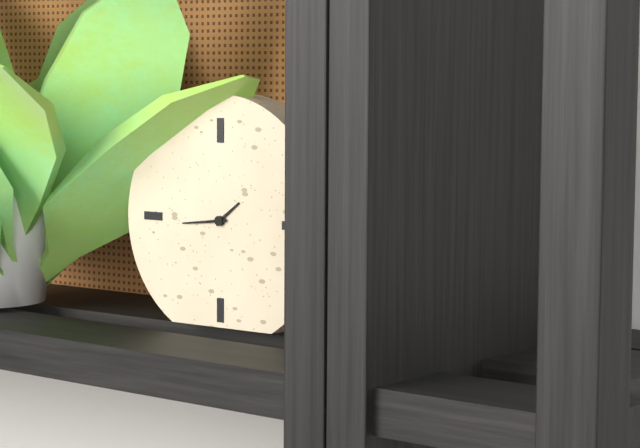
1:44
